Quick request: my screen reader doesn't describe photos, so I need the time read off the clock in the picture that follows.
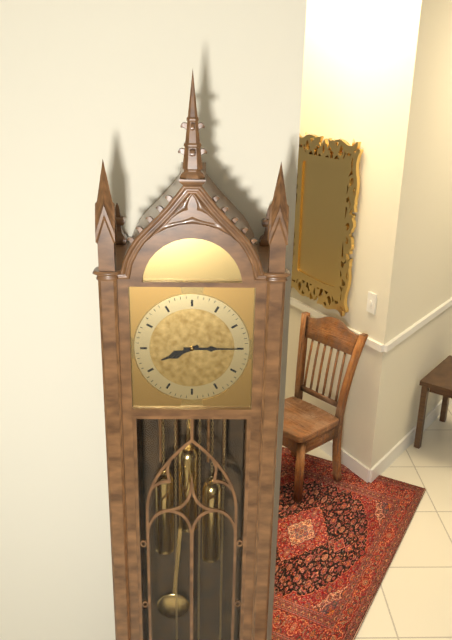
8:15
